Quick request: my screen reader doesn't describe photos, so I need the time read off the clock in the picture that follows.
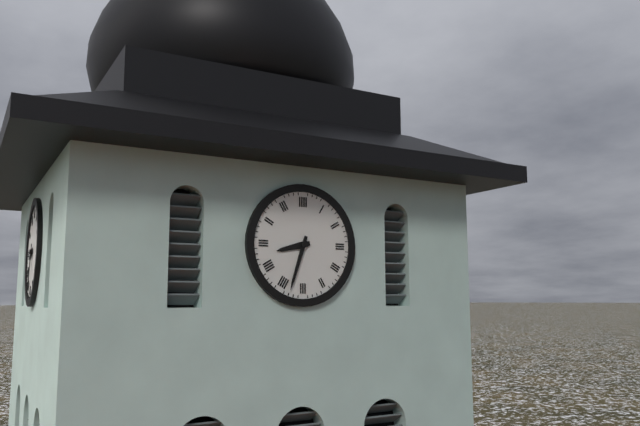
8:33
